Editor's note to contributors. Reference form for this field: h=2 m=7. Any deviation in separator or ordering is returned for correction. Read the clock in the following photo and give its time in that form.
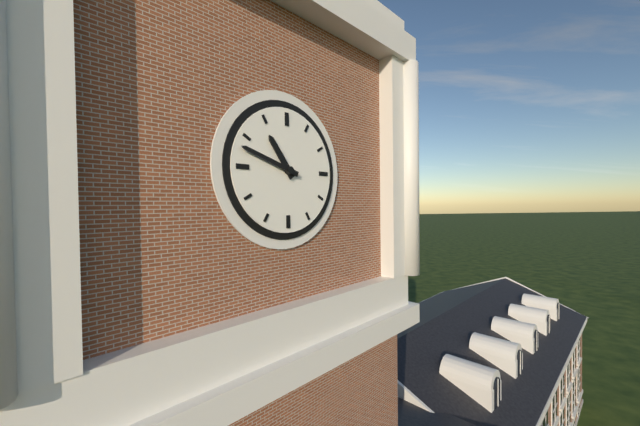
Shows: h=10 m=48
